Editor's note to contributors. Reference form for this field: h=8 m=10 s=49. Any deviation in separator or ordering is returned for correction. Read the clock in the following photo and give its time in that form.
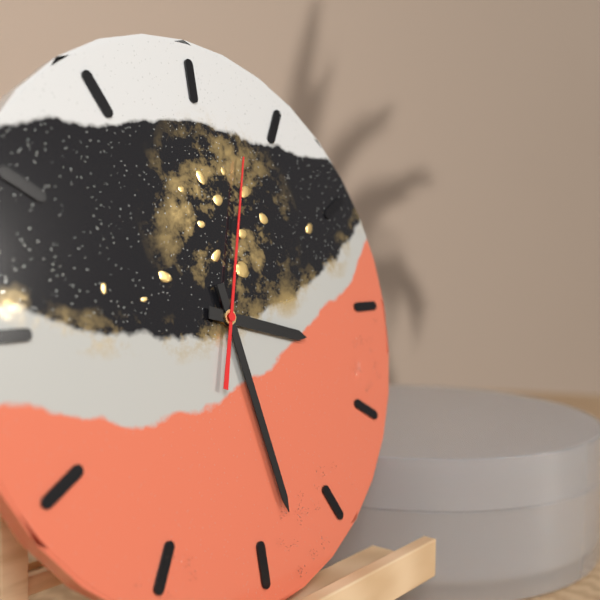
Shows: h=3 m=28 s=3
